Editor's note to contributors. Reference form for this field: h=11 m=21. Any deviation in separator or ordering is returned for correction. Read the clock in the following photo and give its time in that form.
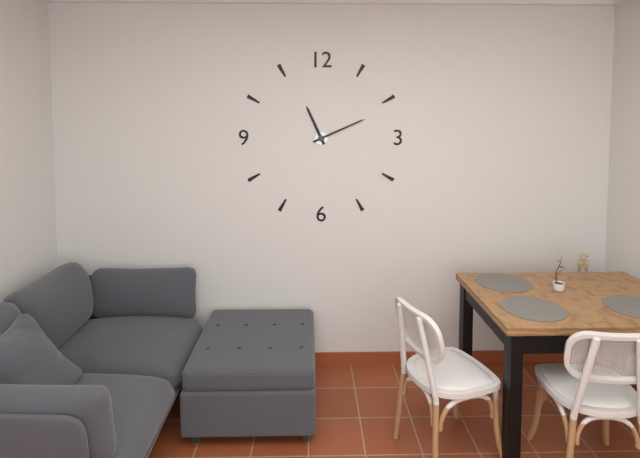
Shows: h=11 m=11
